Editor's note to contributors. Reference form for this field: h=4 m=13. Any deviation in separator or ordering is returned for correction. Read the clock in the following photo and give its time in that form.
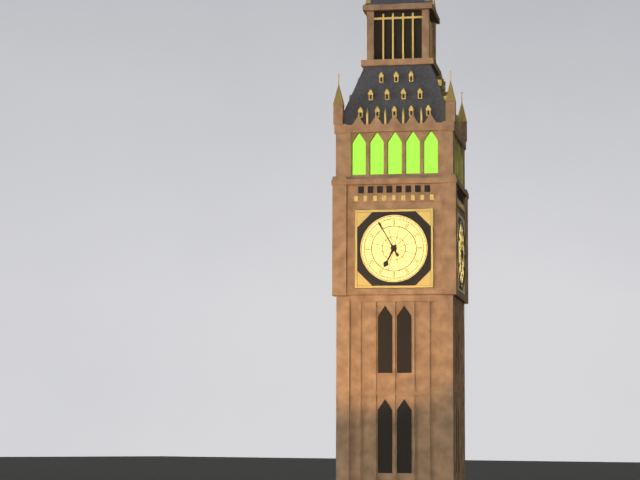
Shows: h=6 m=55
